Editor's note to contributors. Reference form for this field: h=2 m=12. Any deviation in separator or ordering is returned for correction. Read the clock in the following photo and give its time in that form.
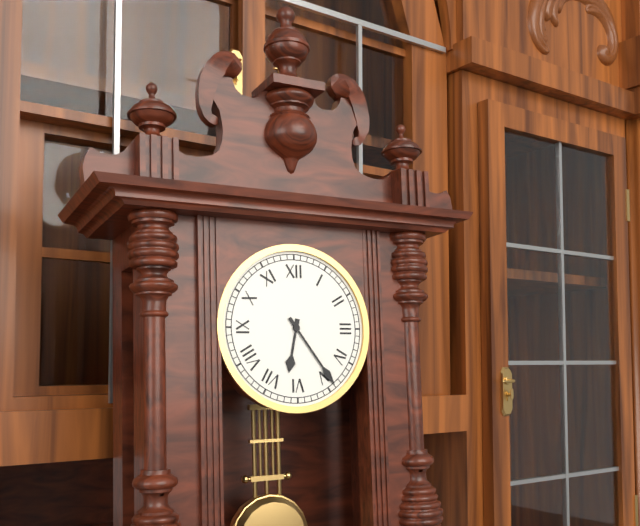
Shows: h=6 m=24
